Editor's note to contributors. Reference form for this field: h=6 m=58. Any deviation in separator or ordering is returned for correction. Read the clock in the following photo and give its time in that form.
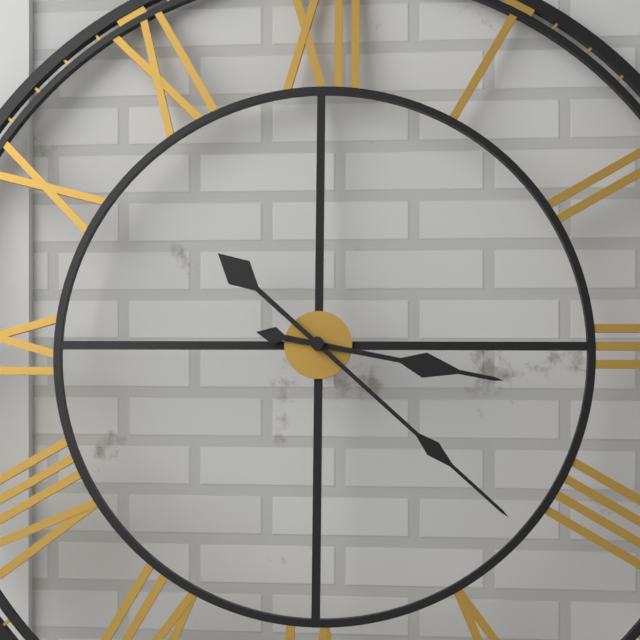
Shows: h=3 m=22
